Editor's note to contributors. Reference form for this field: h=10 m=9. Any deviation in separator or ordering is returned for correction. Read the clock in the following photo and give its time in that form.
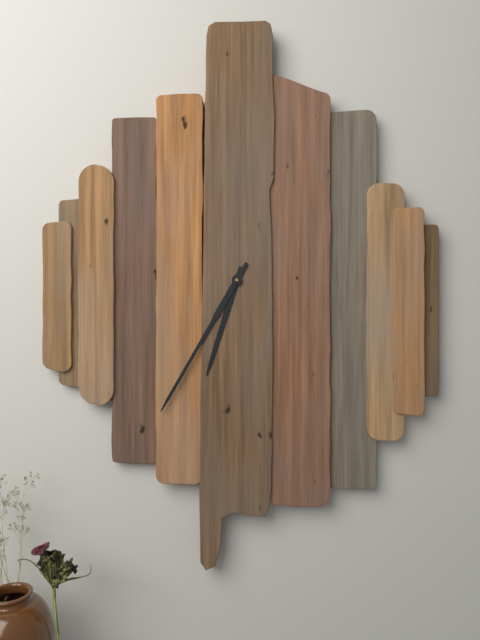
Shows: h=6 m=35
